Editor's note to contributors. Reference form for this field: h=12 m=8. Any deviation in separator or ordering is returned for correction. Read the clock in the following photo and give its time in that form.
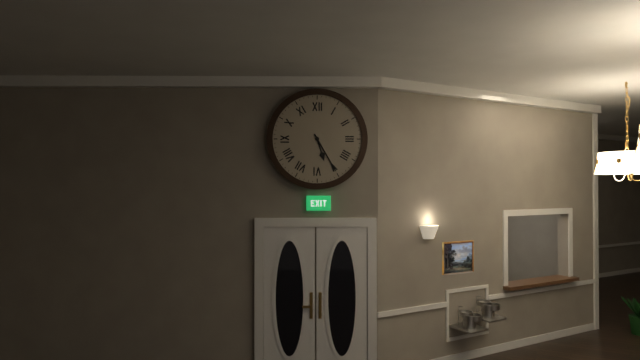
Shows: h=5 m=25
